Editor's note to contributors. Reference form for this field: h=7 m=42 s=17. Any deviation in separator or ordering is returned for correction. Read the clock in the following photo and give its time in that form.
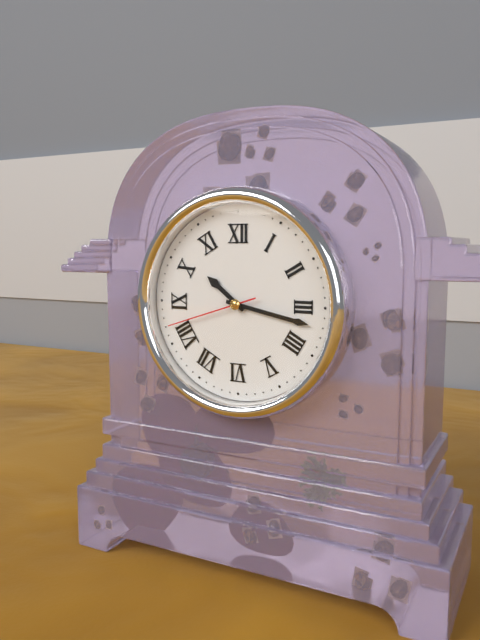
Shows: h=10 m=17 s=42
